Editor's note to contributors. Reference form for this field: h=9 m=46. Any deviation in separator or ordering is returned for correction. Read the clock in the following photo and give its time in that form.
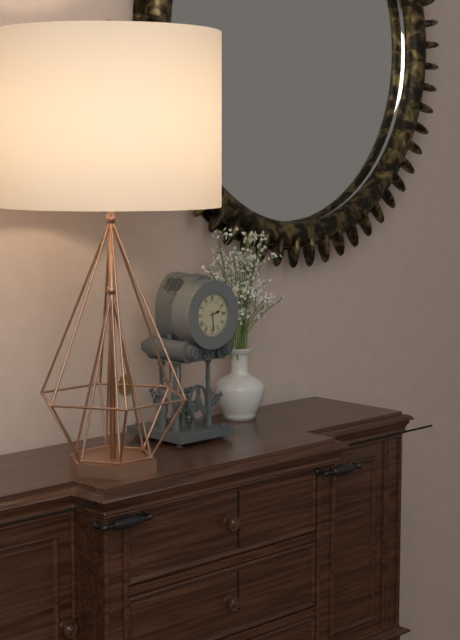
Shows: h=2 m=29
